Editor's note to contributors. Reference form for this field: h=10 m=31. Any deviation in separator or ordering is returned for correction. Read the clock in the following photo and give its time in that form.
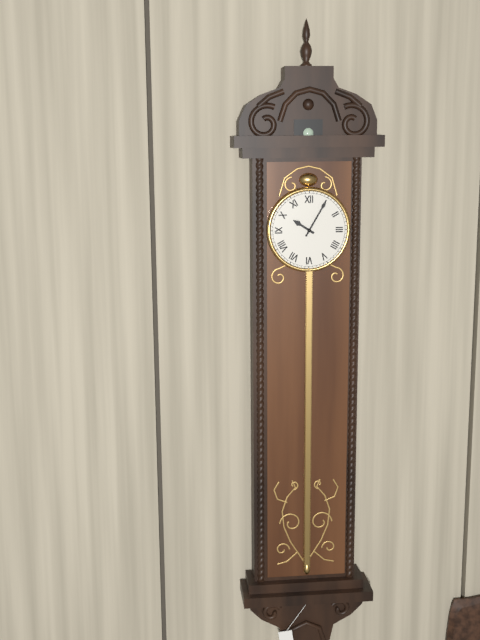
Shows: h=10 m=5
